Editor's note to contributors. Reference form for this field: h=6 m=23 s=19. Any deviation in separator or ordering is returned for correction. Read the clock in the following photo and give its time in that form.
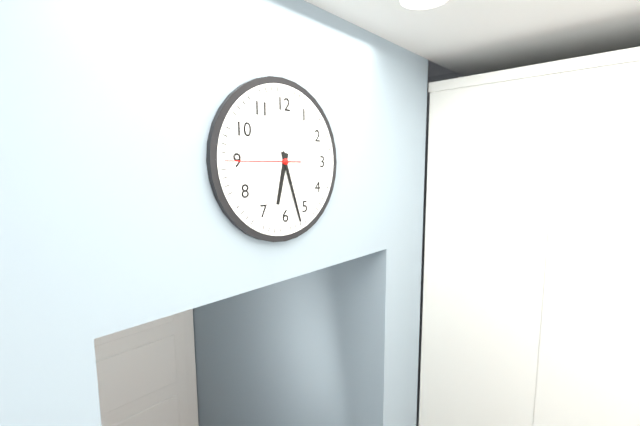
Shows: h=6 m=27 s=45
